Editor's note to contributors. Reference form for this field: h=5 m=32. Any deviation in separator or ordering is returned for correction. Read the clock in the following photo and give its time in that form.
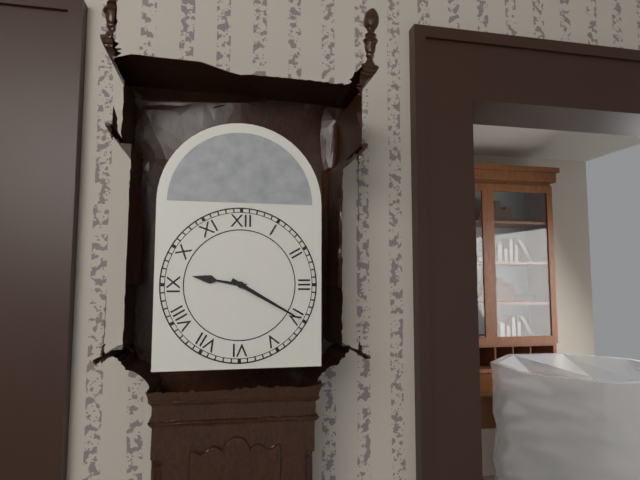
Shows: h=9 m=20
